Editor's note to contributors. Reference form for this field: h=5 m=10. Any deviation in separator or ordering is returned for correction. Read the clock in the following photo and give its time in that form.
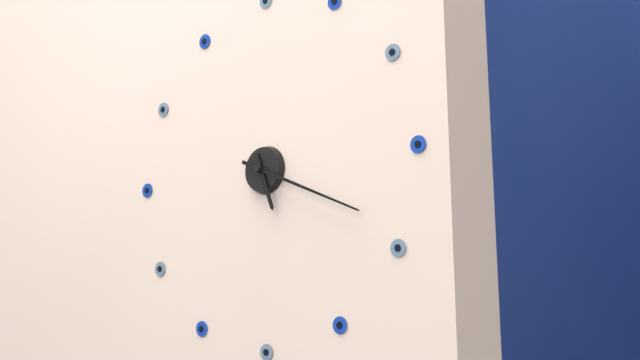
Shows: h=5 m=19
